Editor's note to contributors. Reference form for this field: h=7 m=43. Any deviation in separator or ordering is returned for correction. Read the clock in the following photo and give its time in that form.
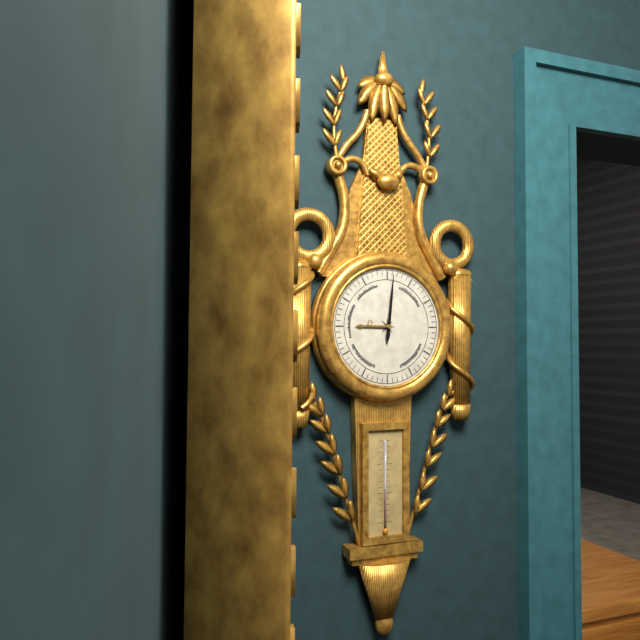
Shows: h=9 m=1
